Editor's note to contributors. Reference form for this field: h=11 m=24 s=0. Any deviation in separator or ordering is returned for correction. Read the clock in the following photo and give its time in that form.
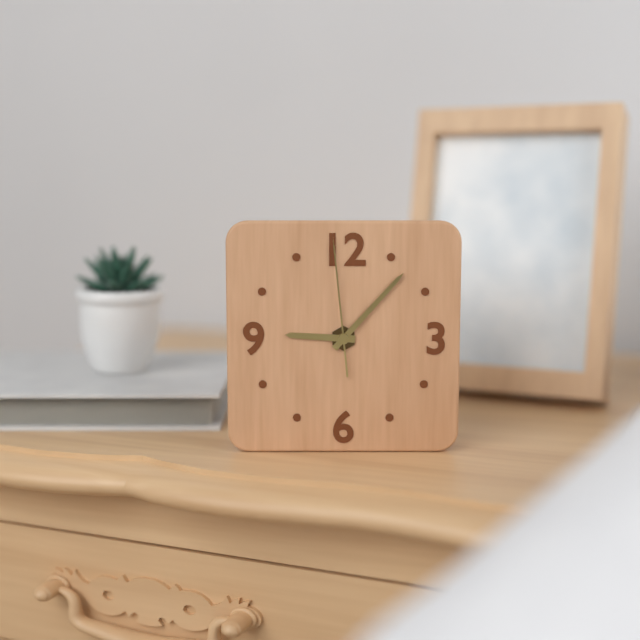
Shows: h=9 m=7 s=59
